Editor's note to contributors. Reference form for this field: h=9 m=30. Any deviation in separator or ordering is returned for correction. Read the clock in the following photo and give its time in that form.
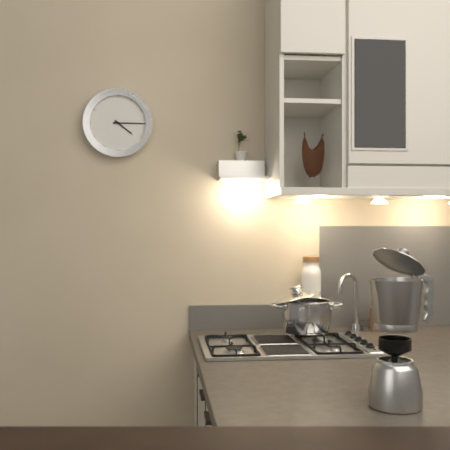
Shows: h=4 m=15
